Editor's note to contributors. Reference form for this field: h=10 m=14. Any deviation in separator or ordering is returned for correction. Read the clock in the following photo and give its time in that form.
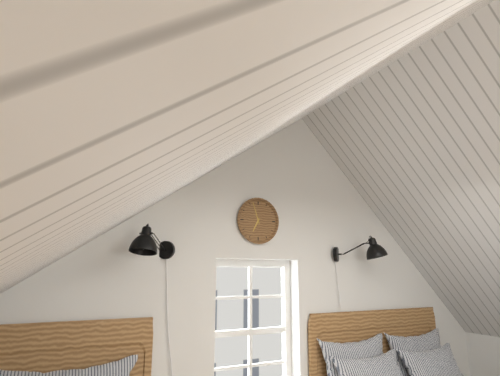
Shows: h=6 m=57
